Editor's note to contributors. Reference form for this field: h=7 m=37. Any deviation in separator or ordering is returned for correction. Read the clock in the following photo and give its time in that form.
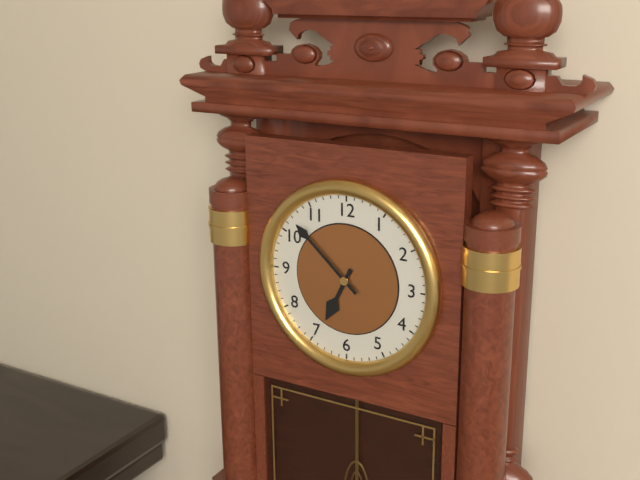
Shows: h=6 m=52
